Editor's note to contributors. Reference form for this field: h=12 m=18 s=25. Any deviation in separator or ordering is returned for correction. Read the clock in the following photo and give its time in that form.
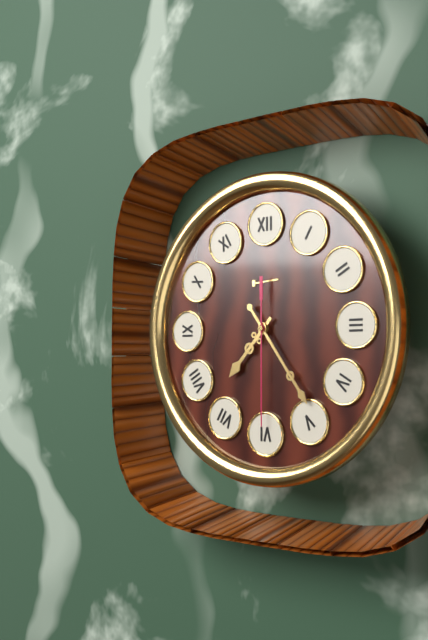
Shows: h=7 m=24 s=30
